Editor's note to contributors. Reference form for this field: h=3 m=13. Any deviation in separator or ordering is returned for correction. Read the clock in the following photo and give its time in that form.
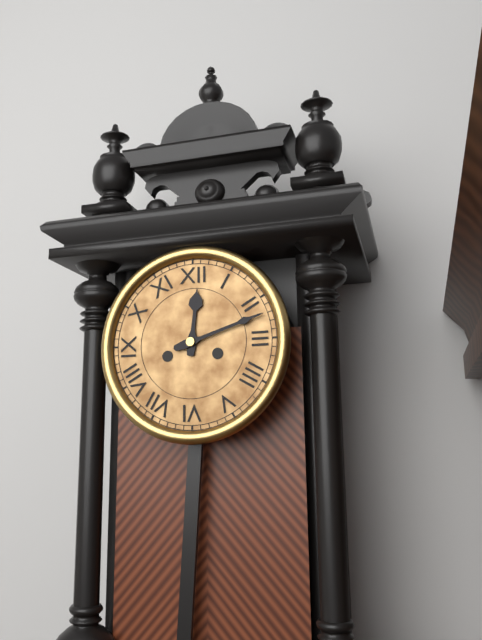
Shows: h=12 m=12
